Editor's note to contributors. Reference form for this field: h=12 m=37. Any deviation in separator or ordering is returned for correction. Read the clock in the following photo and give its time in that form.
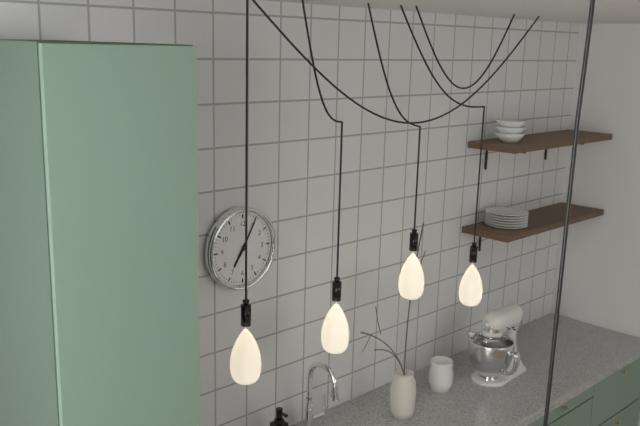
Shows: h=7 m=5
